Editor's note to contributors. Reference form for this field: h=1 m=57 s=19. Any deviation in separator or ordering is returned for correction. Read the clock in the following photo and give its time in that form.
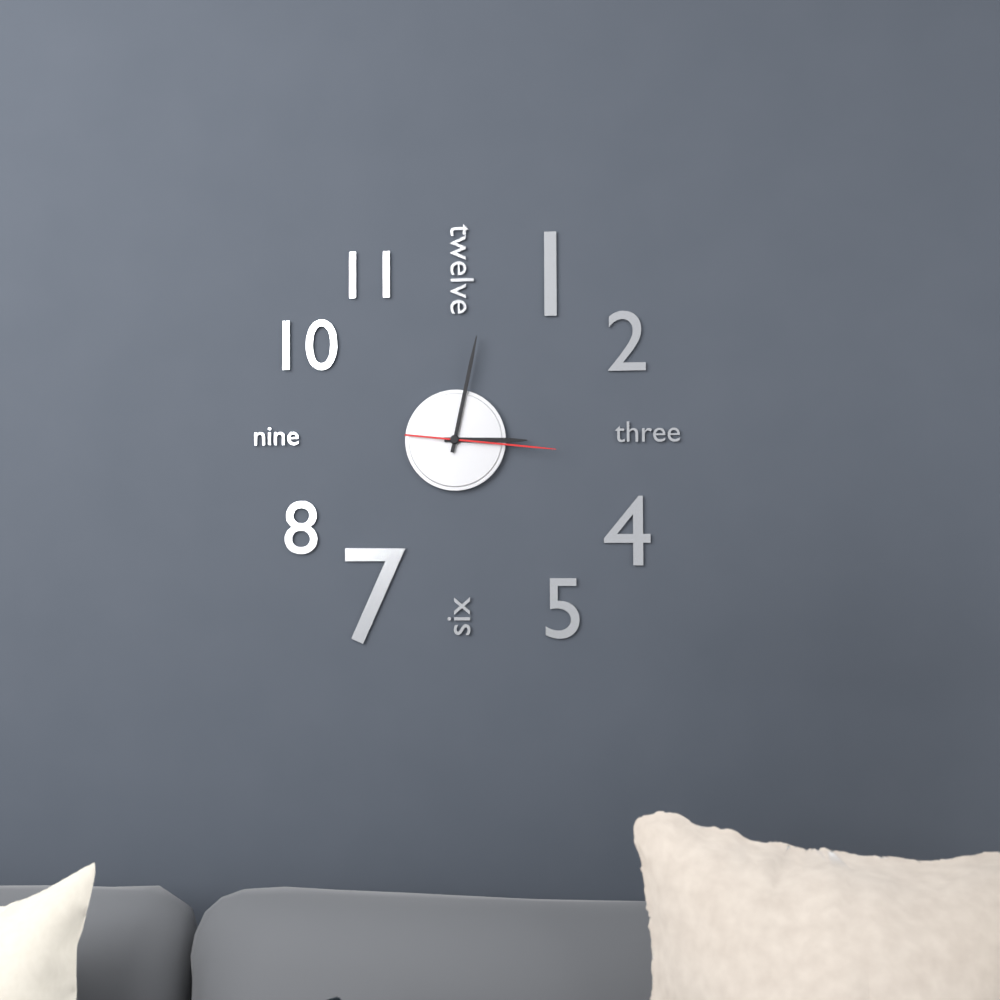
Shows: h=3 m=2 s=16
